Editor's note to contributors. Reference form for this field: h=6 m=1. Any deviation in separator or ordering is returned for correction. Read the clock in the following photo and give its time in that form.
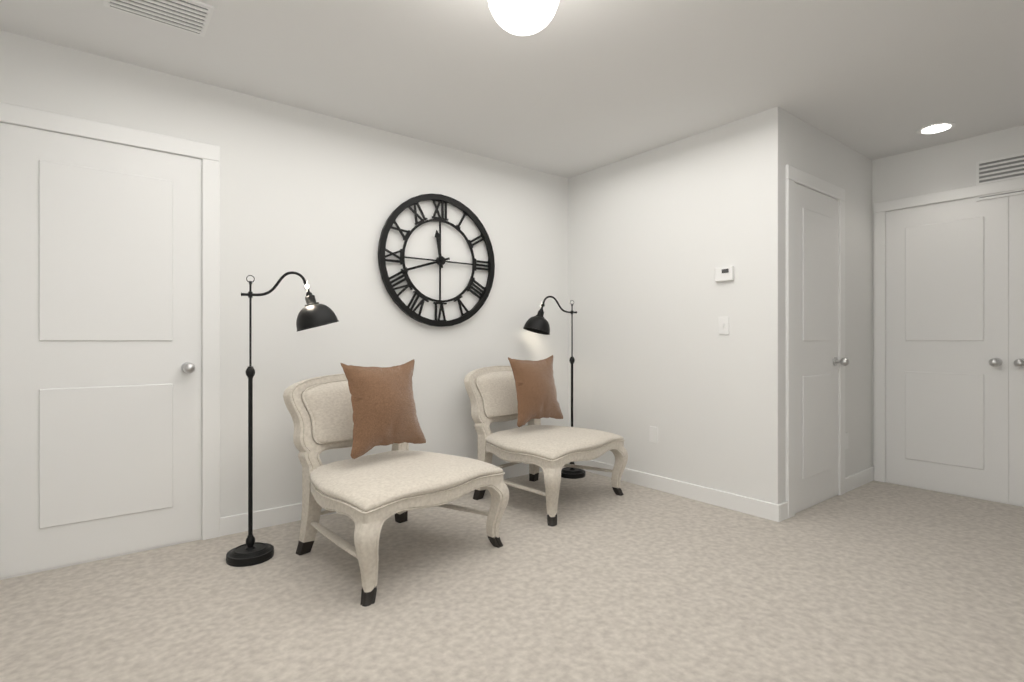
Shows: h=11 m=42
